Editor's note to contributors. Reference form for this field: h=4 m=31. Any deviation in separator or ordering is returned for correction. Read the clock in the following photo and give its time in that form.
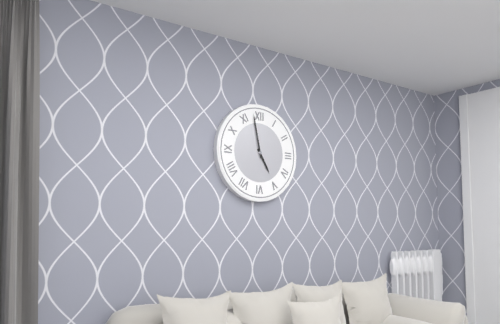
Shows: h=4 m=58
